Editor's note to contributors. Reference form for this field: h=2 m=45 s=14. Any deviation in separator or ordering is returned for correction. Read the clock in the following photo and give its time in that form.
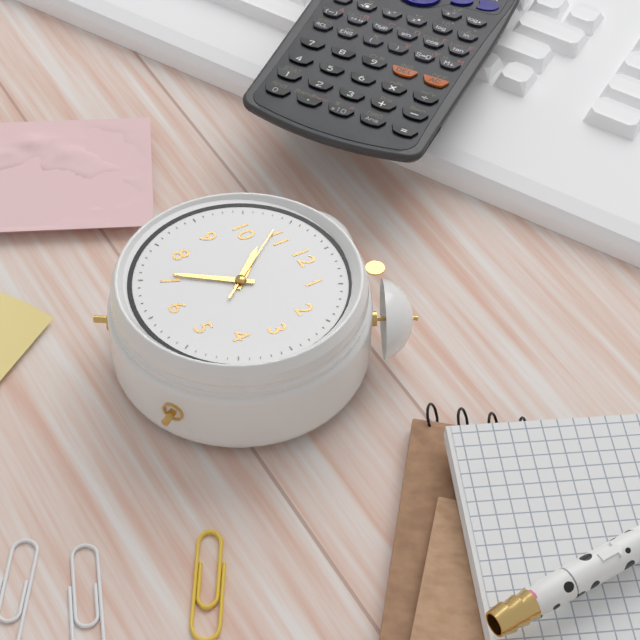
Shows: h=10 m=36 s=54
